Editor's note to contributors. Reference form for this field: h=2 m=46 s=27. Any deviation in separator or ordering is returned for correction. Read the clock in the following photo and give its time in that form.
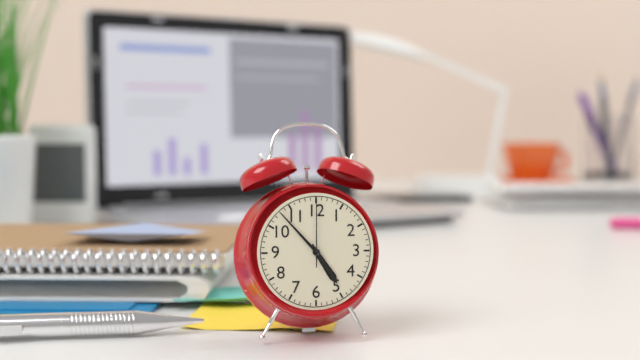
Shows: h=4 m=53 s=0
